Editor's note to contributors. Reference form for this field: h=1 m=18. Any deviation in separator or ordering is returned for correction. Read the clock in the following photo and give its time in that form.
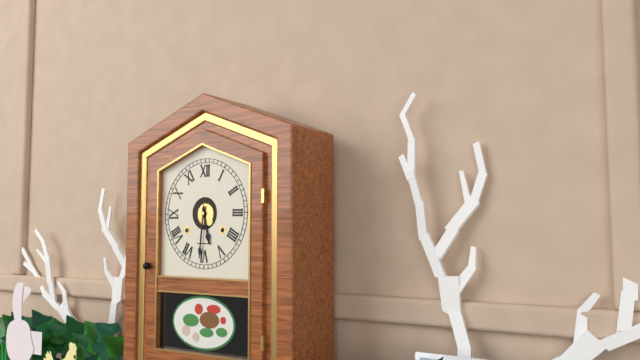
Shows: h=5 m=31
